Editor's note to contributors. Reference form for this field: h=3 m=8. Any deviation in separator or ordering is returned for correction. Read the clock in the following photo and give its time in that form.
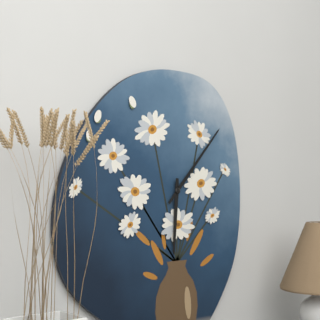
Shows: h=6 m=7
